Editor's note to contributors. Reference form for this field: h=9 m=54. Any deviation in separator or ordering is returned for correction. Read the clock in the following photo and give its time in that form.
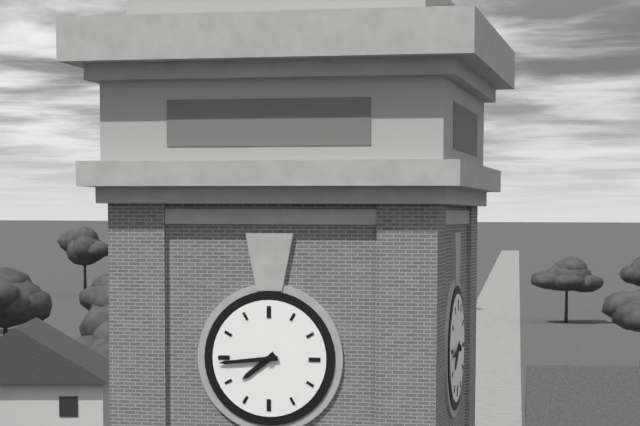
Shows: h=7 m=44
